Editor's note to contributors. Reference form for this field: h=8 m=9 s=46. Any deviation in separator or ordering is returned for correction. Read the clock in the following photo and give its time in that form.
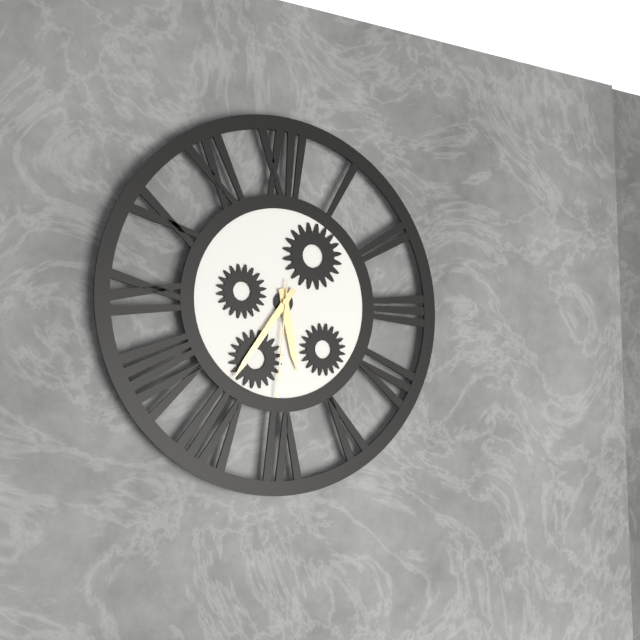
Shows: h=5 m=36 s=31
